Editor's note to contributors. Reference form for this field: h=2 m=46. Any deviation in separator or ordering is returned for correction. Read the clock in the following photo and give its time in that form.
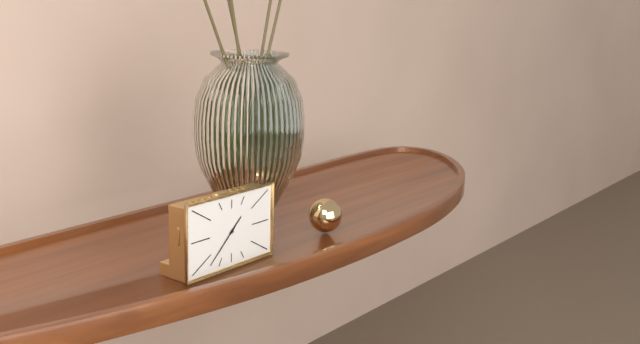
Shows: h=1 m=38
